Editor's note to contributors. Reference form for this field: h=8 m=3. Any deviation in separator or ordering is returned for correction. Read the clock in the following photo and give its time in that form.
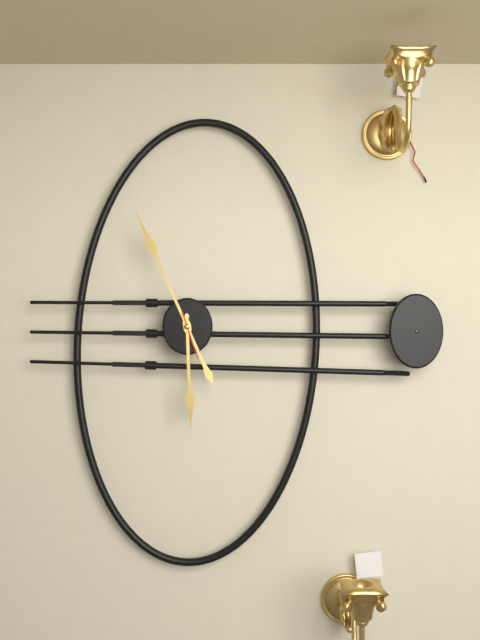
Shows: h=5 m=56
